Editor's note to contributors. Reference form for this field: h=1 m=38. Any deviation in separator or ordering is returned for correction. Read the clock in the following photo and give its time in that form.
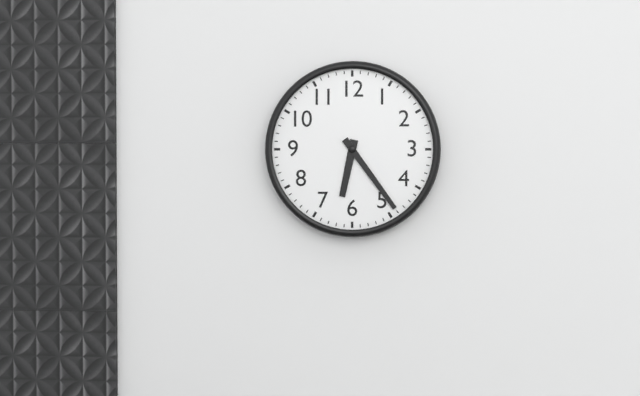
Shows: h=6 m=24
